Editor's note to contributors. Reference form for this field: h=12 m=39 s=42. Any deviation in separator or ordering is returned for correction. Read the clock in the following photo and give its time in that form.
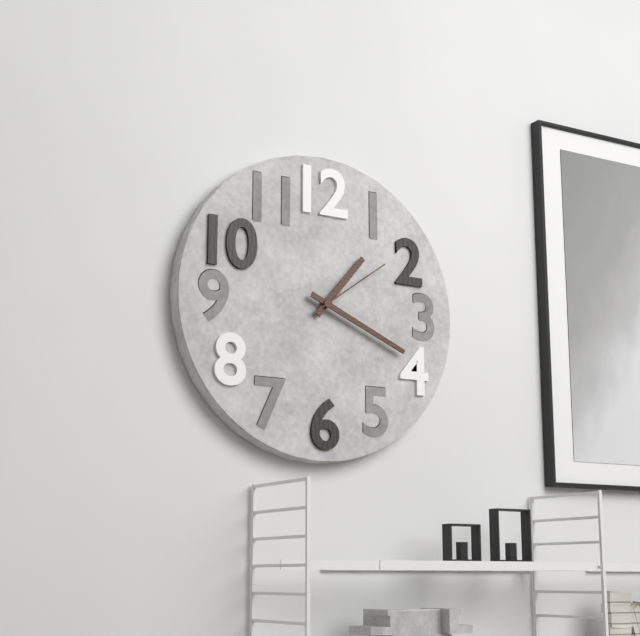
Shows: h=1 m=19 s=9
